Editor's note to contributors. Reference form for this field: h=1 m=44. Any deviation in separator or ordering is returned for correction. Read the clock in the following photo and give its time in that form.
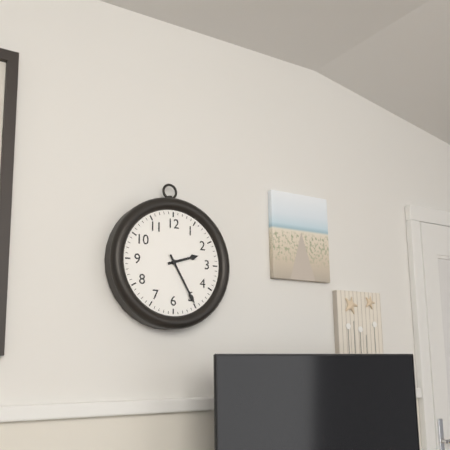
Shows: h=2 m=25
